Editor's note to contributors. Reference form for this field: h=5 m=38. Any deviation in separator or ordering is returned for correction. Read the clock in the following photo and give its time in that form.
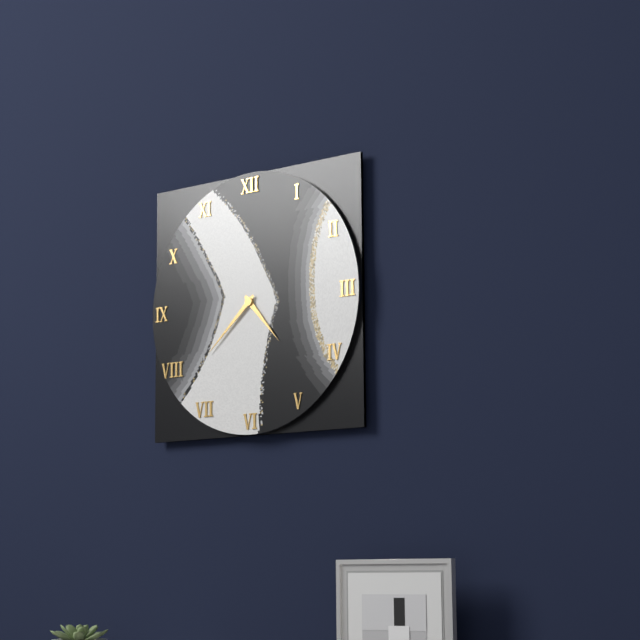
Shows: h=4 m=38
